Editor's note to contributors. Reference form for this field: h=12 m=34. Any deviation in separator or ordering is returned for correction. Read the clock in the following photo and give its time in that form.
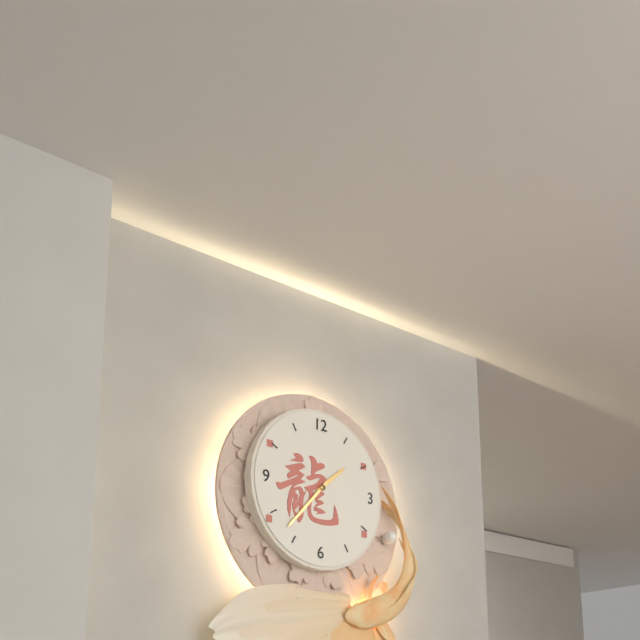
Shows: h=1 m=37
